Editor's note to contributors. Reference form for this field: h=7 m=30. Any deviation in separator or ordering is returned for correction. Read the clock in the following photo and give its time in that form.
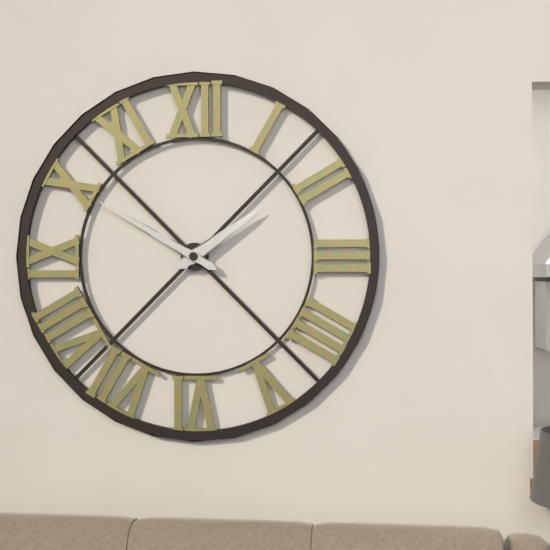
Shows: h=1 m=50
